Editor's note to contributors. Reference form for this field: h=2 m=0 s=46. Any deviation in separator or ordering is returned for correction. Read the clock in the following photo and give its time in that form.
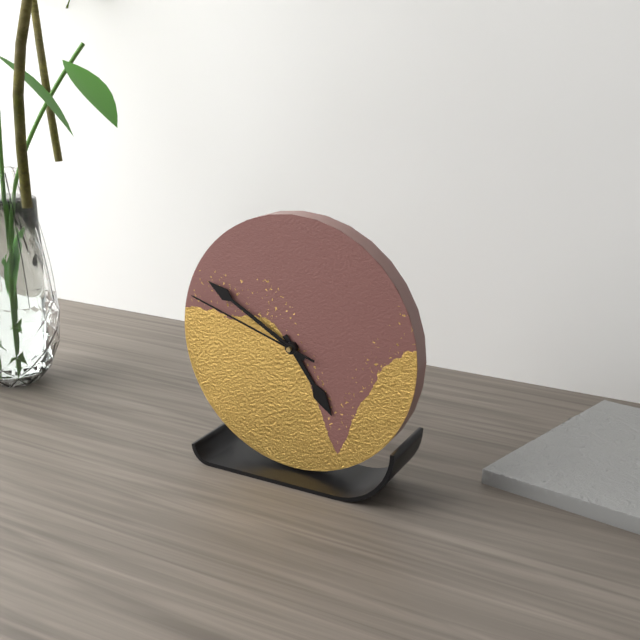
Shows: h=4 m=50 s=48
